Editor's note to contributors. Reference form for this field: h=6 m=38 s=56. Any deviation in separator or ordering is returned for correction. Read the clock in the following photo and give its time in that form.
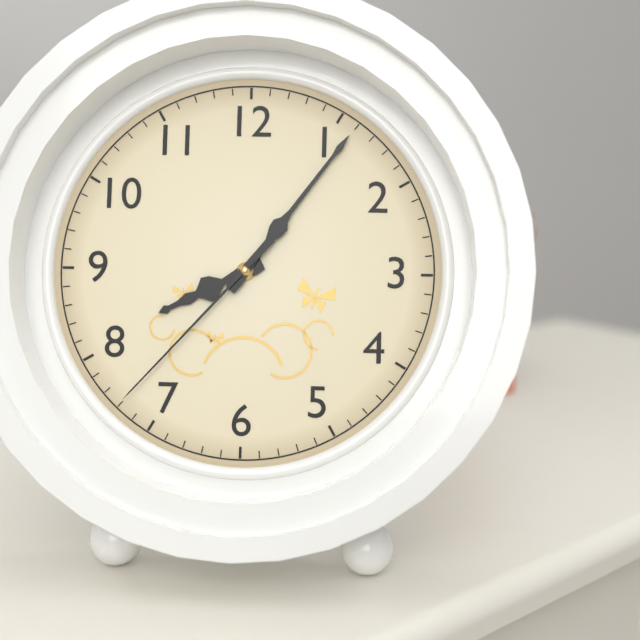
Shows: h=8 m=6 s=37
